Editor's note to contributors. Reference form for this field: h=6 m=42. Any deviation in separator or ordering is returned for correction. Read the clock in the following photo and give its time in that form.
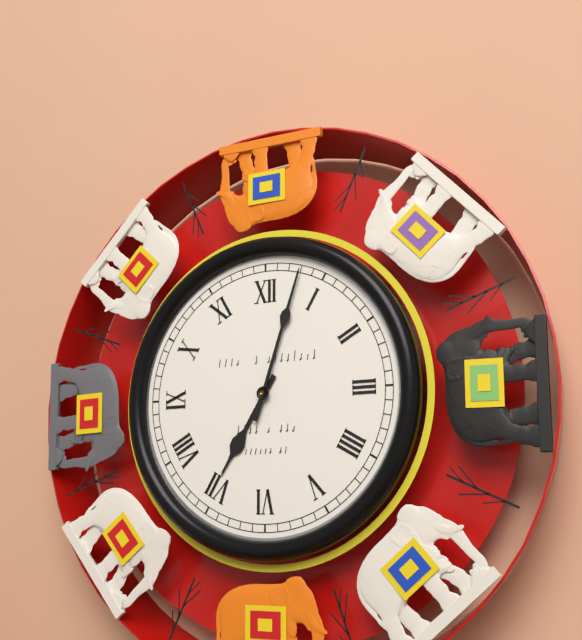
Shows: h=7 m=3
